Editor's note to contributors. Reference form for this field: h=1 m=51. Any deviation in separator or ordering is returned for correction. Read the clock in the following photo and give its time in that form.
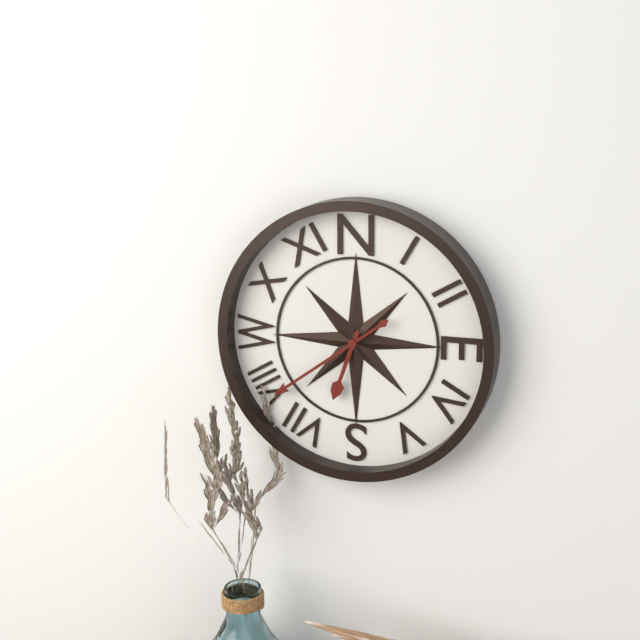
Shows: h=6 m=39
